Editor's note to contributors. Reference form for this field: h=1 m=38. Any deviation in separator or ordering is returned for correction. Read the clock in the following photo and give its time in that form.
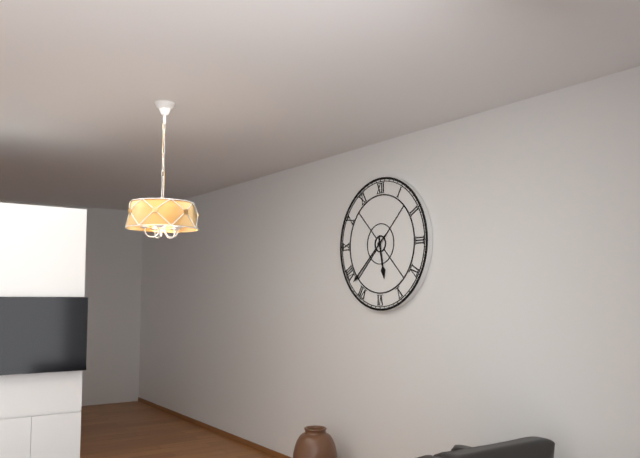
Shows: h=5 m=38
